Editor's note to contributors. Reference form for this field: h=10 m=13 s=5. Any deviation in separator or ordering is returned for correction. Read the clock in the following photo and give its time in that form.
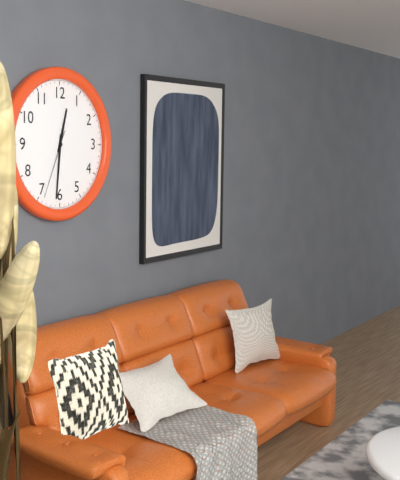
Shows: h=12 m=31 s=34
